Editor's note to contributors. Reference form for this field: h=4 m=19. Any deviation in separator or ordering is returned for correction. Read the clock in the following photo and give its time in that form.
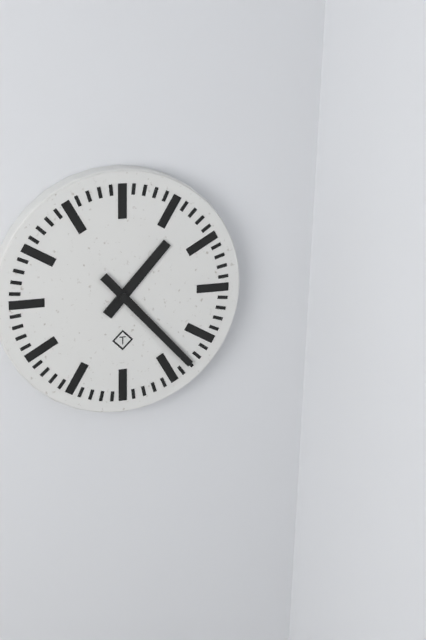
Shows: h=1 m=23
